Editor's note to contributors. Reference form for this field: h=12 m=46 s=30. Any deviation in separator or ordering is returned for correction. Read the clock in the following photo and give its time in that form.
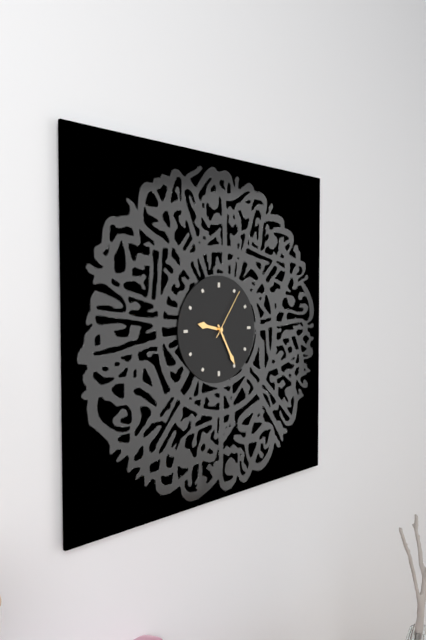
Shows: h=9 m=25 s=6
